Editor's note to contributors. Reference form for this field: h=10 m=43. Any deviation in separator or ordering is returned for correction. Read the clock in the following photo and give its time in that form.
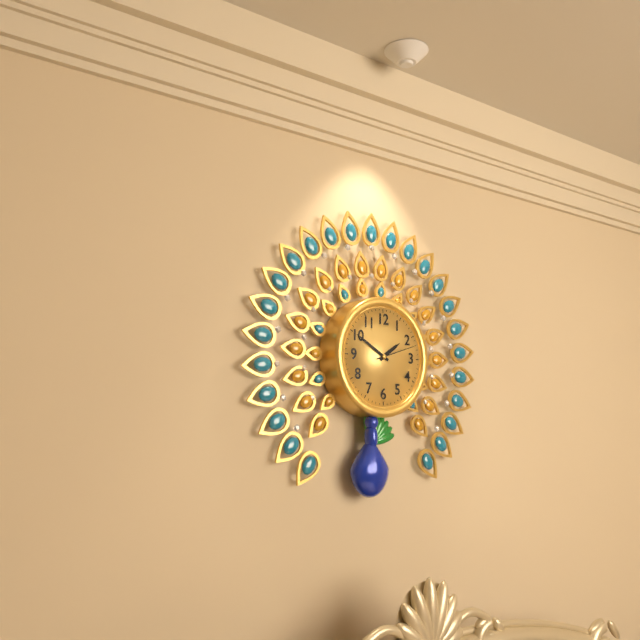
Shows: h=1 m=50
